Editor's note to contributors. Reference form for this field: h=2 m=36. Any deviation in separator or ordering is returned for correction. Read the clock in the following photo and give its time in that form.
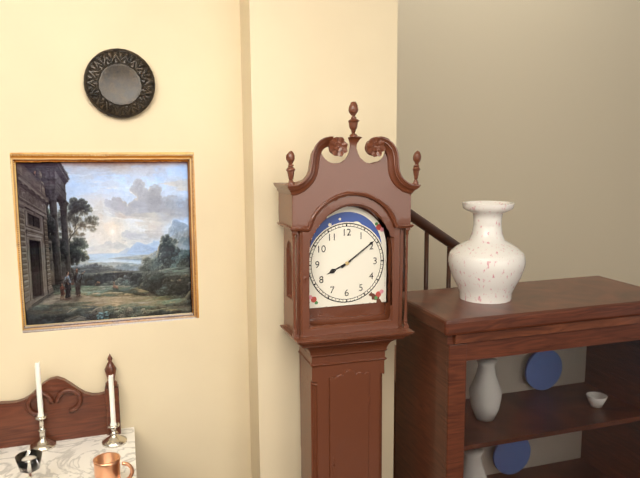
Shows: h=8 m=9
